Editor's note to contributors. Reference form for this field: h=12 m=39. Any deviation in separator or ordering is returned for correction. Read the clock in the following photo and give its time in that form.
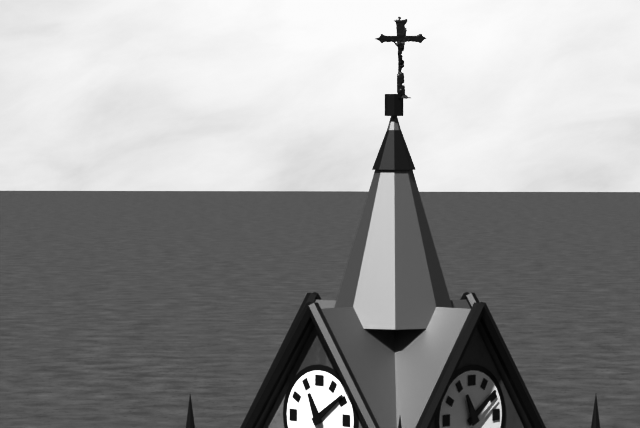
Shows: h=11 m=9
